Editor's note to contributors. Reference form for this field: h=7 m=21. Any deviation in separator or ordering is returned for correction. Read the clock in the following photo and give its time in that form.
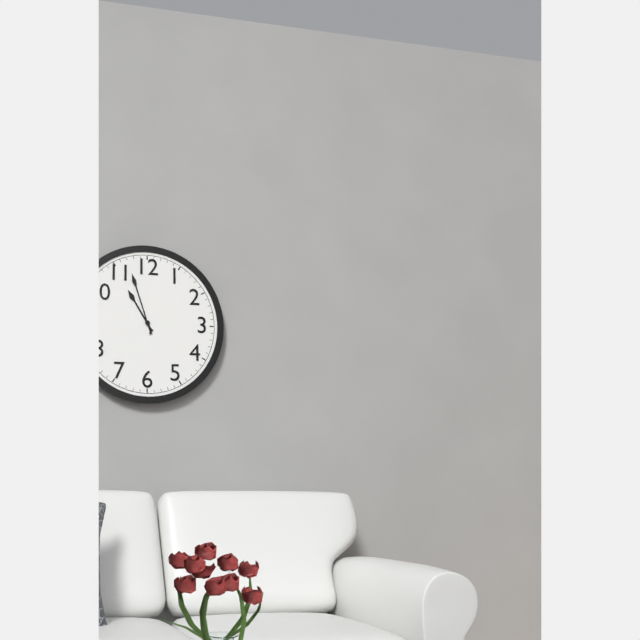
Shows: h=10 m=57
